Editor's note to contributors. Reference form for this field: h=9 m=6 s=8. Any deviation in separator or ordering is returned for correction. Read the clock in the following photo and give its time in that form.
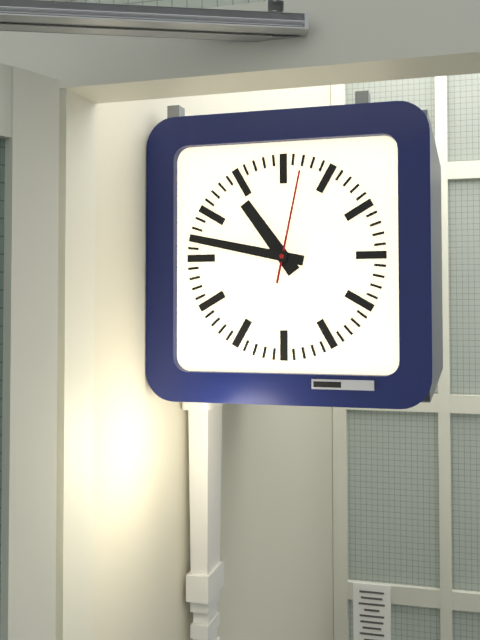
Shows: h=10 m=47 s=2
